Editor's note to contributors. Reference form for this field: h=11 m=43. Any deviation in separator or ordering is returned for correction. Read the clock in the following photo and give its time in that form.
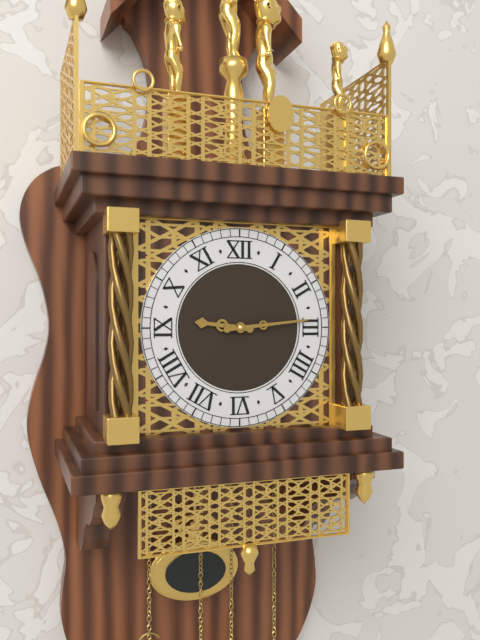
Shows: h=9 m=14
